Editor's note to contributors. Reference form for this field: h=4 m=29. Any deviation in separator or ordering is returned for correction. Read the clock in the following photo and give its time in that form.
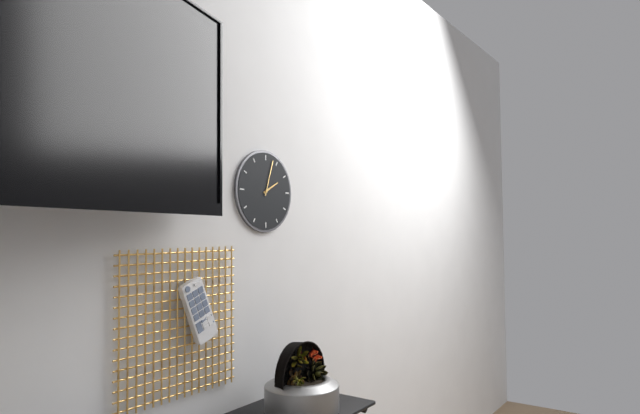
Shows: h=2 m=3
